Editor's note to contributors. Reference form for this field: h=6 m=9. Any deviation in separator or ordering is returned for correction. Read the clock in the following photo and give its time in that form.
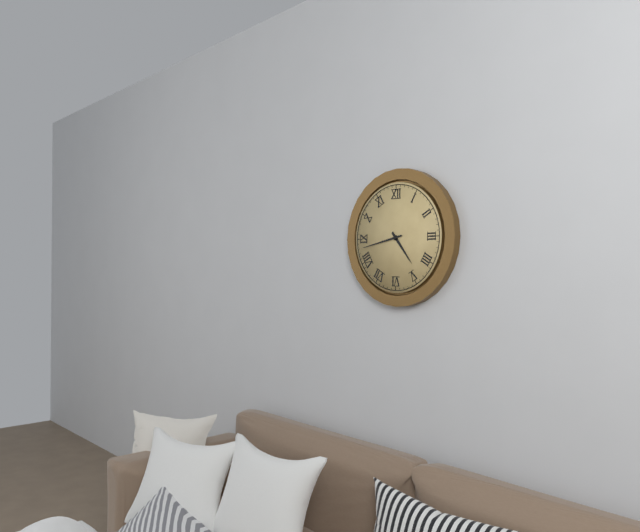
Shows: h=4 m=43
